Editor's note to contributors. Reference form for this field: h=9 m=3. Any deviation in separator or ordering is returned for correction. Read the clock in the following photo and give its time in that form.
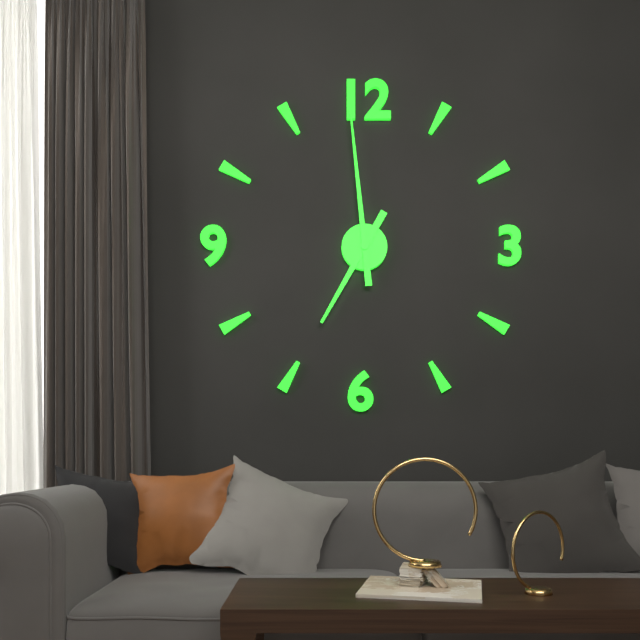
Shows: h=6 m=59
